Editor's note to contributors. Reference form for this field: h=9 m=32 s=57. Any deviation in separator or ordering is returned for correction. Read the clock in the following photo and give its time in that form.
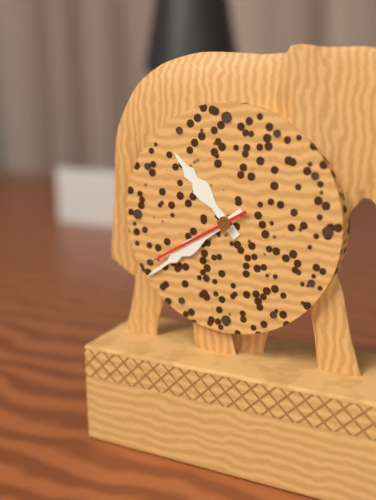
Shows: h=10 m=39 s=40
